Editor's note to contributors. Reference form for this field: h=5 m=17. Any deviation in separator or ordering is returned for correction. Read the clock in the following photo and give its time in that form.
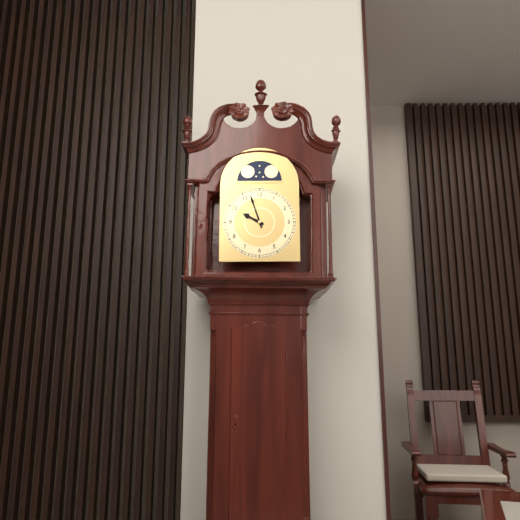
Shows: h=9 m=57
